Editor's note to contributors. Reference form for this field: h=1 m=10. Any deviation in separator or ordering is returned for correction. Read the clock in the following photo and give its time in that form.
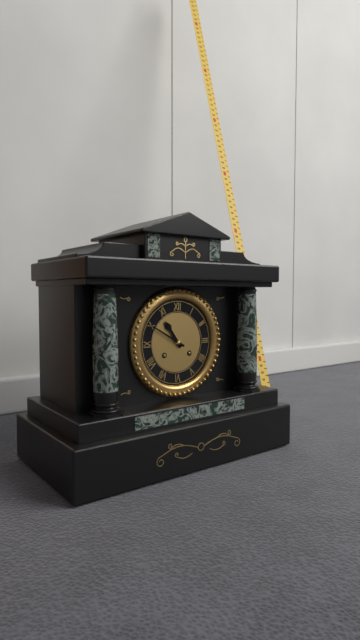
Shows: h=10 m=50
